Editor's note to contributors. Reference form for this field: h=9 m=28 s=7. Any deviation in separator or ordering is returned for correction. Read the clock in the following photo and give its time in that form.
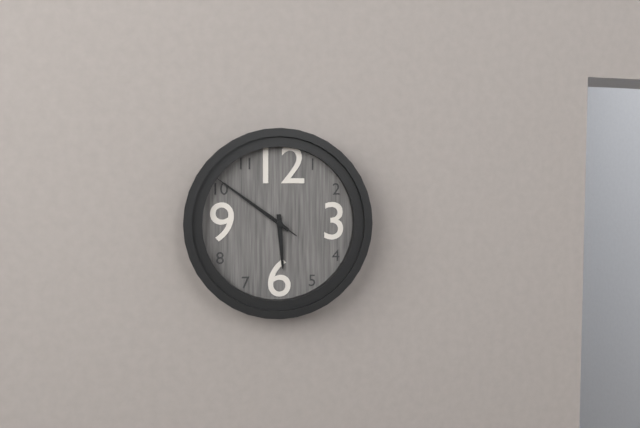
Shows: h=5 m=51 s=51
